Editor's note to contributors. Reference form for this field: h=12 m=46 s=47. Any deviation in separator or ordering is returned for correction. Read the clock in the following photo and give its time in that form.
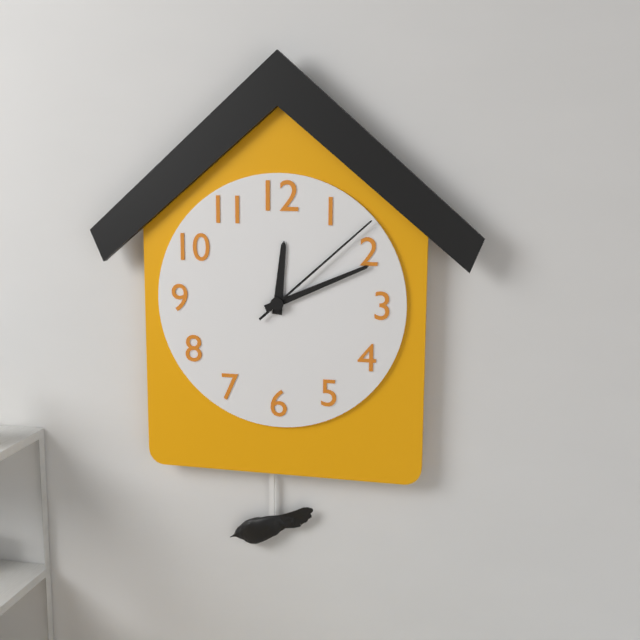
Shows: h=12 m=11 s=8
